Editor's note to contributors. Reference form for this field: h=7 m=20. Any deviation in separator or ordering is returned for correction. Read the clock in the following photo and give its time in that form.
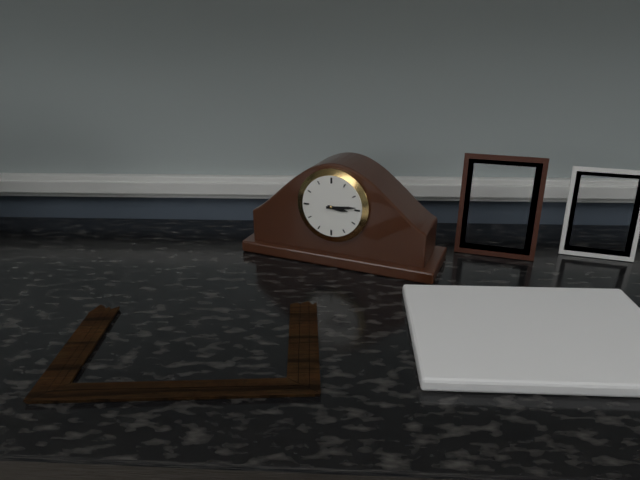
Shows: h=3 m=14
